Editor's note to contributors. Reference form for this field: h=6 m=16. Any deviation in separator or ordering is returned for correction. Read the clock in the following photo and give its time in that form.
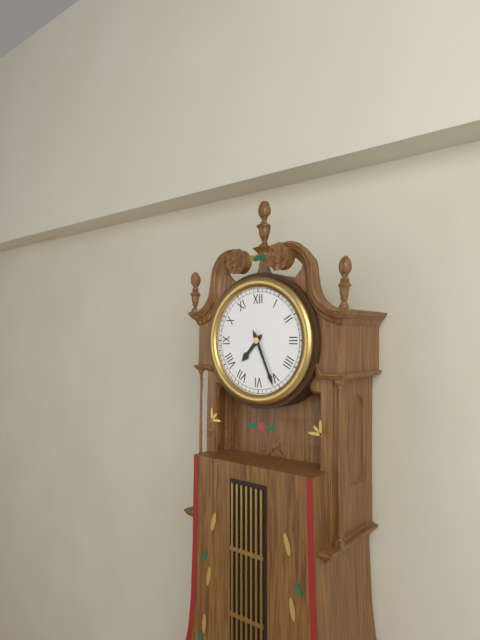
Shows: h=7 m=26
